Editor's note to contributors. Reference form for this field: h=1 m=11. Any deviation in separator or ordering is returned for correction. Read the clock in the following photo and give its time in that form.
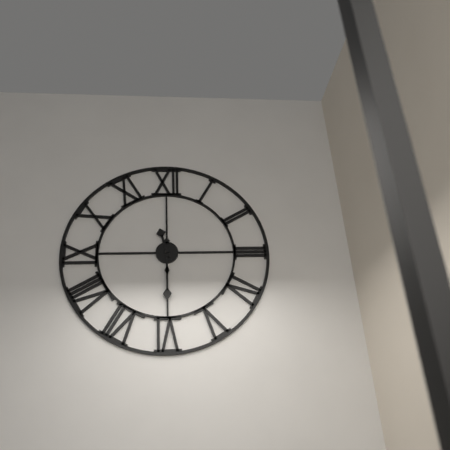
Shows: h=11 m=30
